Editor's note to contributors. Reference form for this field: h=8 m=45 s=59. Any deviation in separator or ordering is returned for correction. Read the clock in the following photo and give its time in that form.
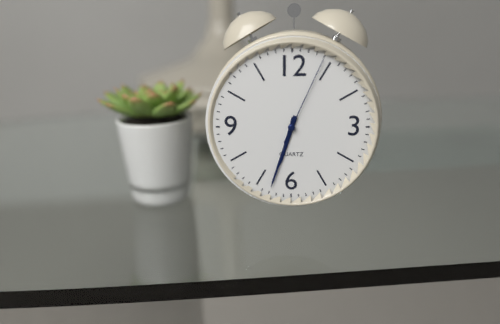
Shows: h=6 m=33 s=4
